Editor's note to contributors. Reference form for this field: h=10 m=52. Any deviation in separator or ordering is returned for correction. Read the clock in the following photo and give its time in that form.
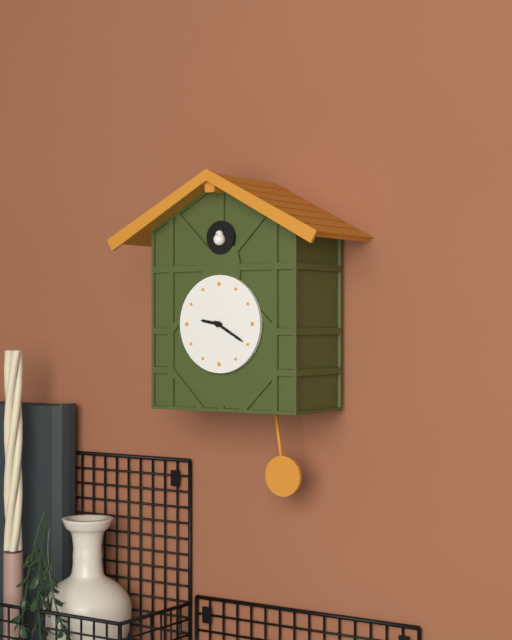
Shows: h=9 m=20
